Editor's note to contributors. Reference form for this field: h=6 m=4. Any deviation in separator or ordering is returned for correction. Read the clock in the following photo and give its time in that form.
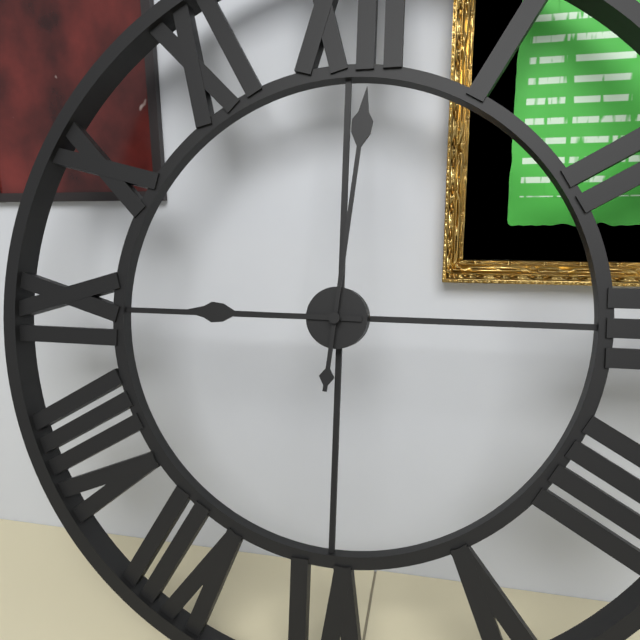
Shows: h=9 m=1
